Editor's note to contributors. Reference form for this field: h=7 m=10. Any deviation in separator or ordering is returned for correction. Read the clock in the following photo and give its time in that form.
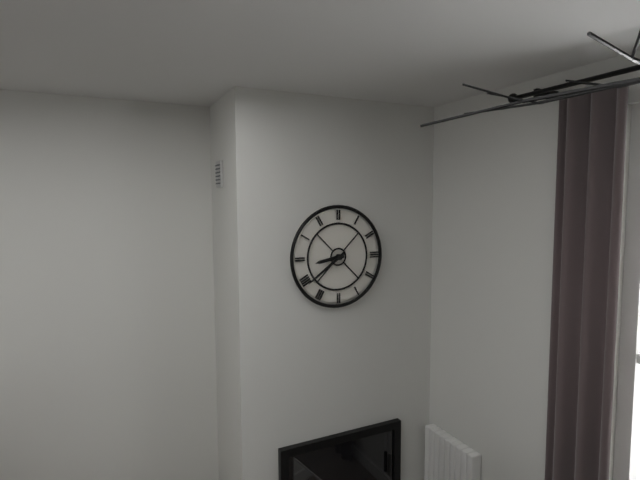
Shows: h=8 m=39
